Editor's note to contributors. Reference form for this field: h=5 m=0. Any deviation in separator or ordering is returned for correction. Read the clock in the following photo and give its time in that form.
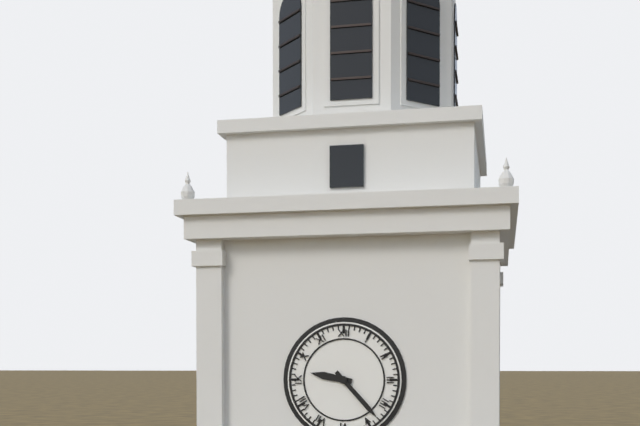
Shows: h=9 m=23
